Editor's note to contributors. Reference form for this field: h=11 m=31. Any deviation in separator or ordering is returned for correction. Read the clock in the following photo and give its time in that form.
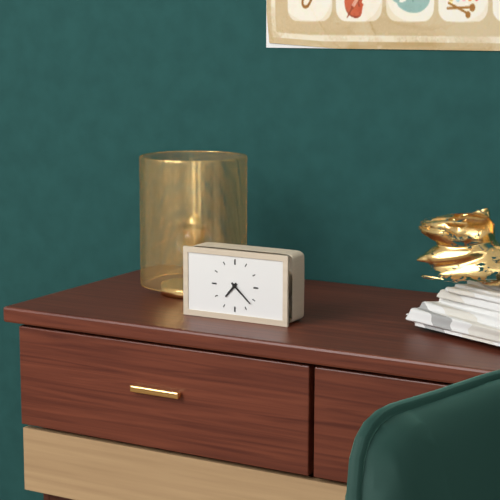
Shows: h=7 m=22
